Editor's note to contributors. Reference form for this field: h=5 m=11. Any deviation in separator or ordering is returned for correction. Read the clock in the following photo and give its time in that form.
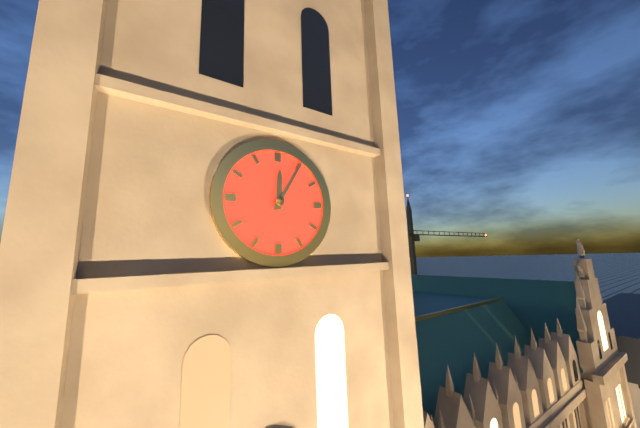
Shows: h=12 m=5
